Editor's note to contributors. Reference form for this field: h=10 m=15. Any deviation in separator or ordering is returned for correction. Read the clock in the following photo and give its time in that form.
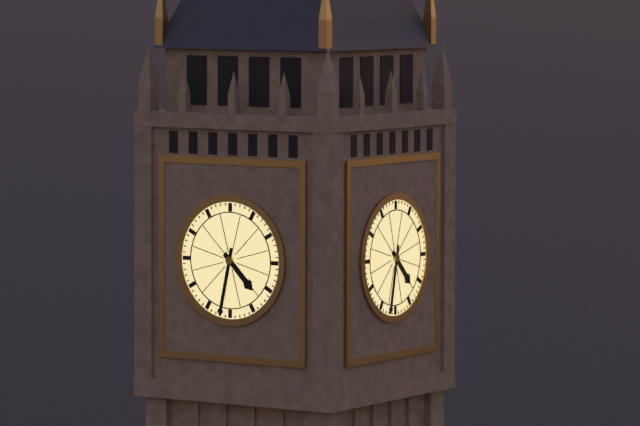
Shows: h=4 m=32
